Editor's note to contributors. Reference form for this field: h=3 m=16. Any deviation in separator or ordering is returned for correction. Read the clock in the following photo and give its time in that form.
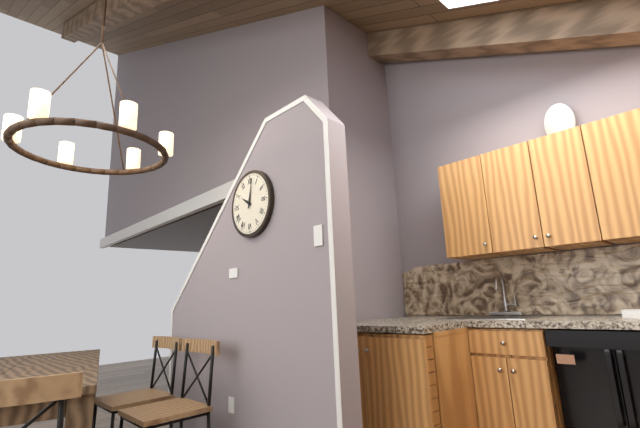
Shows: h=10 m=2
